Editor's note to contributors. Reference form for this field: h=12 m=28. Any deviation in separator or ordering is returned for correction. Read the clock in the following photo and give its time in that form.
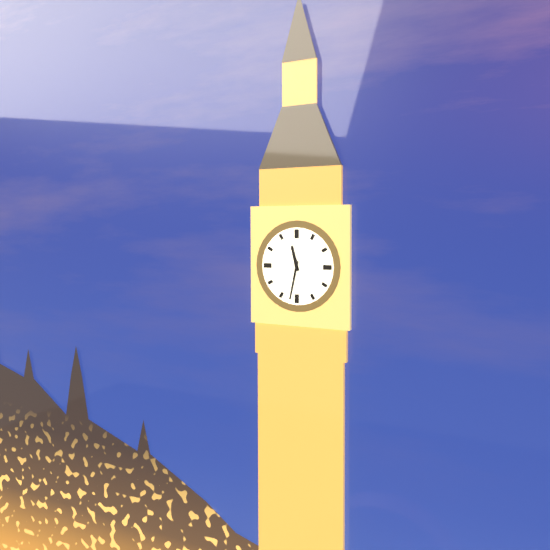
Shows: h=11 m=32
